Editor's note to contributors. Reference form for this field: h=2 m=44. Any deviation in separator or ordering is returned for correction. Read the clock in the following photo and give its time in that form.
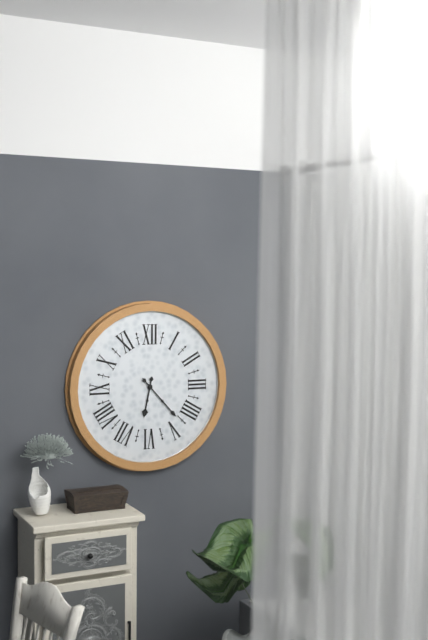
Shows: h=6 m=23
